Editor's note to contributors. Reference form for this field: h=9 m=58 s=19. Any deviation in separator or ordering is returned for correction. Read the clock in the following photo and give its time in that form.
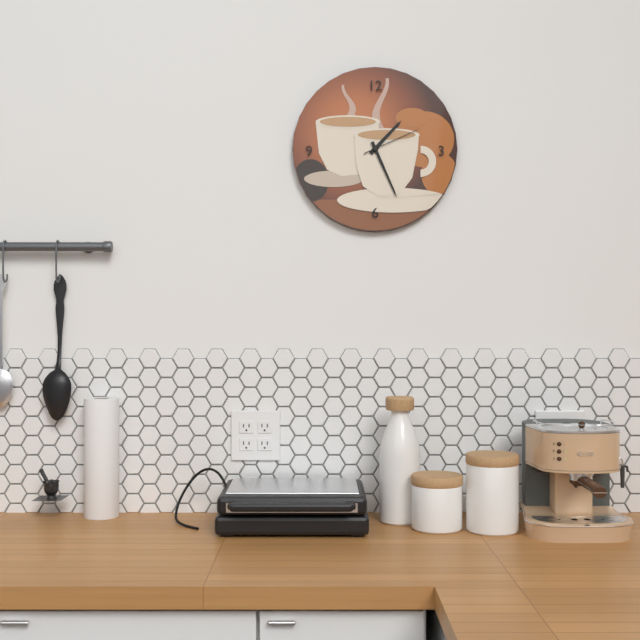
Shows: h=1 m=26 s=11
